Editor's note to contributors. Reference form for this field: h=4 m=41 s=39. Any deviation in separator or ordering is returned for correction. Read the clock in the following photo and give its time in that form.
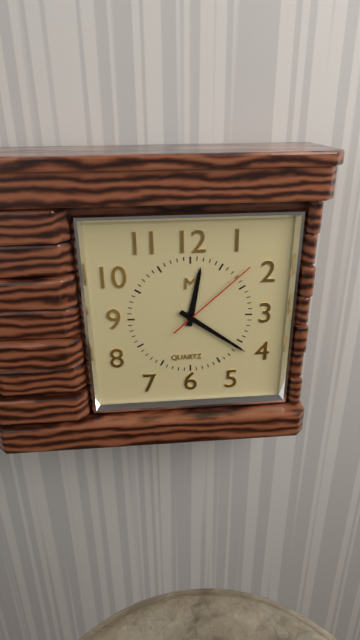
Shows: h=12 m=21 s=8
